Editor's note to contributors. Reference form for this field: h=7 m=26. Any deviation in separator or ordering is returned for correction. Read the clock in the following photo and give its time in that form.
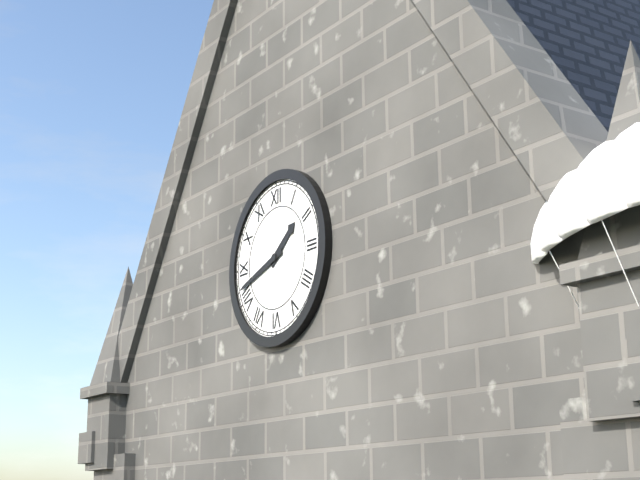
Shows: h=1 m=42
